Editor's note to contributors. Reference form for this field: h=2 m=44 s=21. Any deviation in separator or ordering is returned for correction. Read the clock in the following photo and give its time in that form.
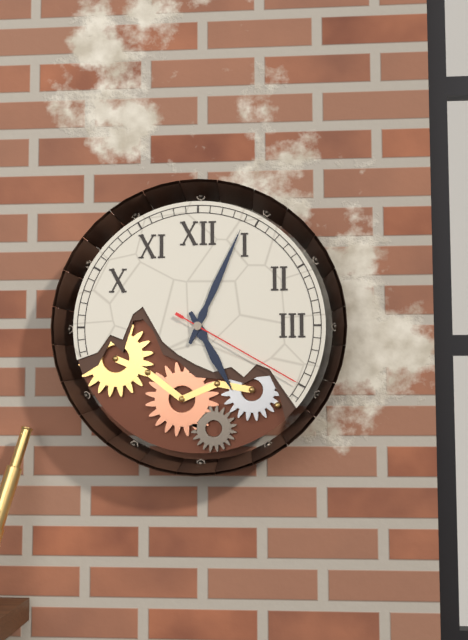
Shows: h=5 m=4 s=20
